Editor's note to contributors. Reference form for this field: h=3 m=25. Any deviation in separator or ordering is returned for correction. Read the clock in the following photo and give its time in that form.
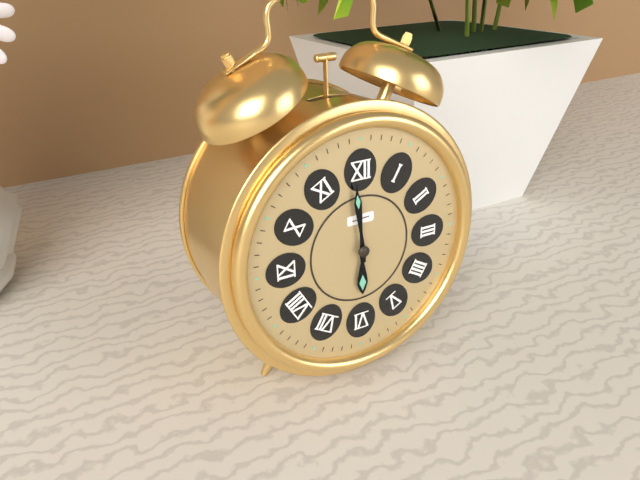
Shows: h=5 m=59
